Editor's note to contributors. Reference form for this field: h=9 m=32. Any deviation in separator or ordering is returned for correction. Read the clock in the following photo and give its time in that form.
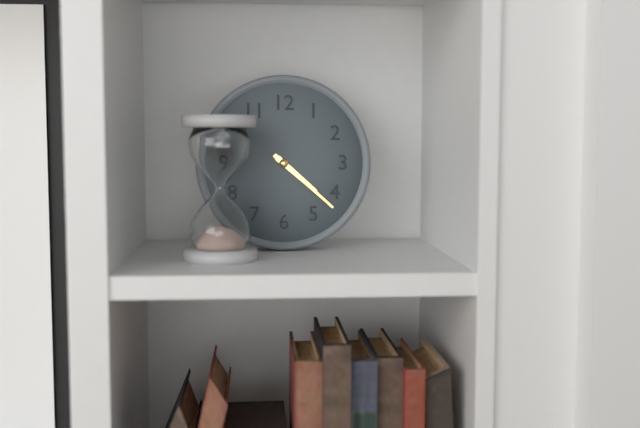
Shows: h=4 m=22
